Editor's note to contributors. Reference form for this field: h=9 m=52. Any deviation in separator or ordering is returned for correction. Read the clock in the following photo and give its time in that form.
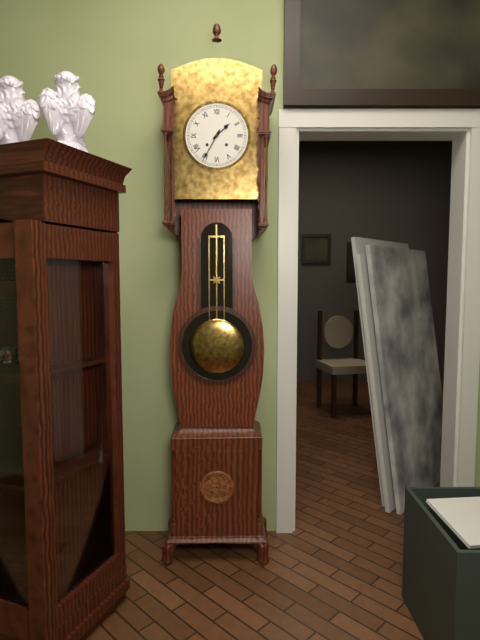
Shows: h=1 m=35
